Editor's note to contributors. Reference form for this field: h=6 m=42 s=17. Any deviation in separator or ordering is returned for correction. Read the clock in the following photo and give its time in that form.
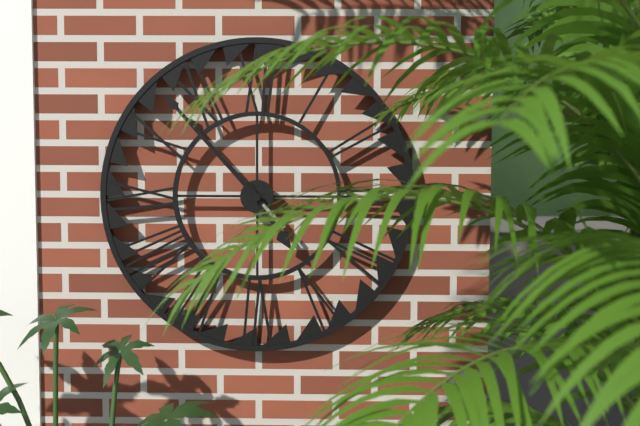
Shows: h=4 m=53 s=53
